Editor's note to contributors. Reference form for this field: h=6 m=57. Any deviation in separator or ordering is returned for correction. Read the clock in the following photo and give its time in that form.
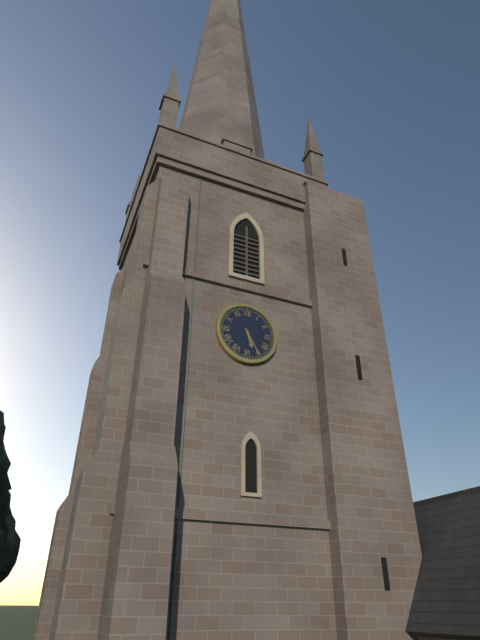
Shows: h=5 m=25
